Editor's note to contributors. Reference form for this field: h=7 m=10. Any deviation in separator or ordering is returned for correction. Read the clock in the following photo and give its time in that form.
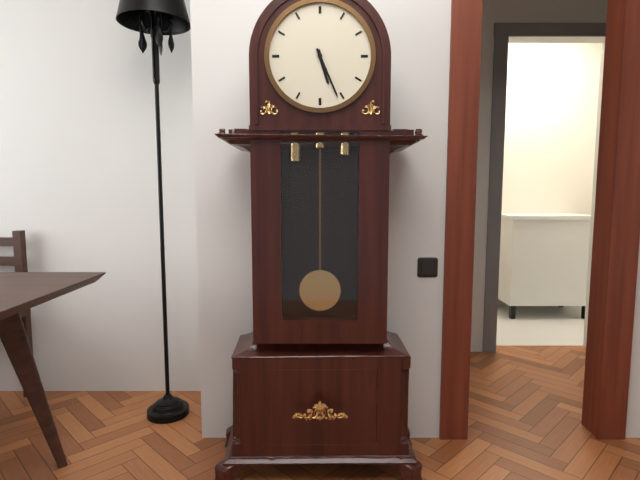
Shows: h=5 m=26
